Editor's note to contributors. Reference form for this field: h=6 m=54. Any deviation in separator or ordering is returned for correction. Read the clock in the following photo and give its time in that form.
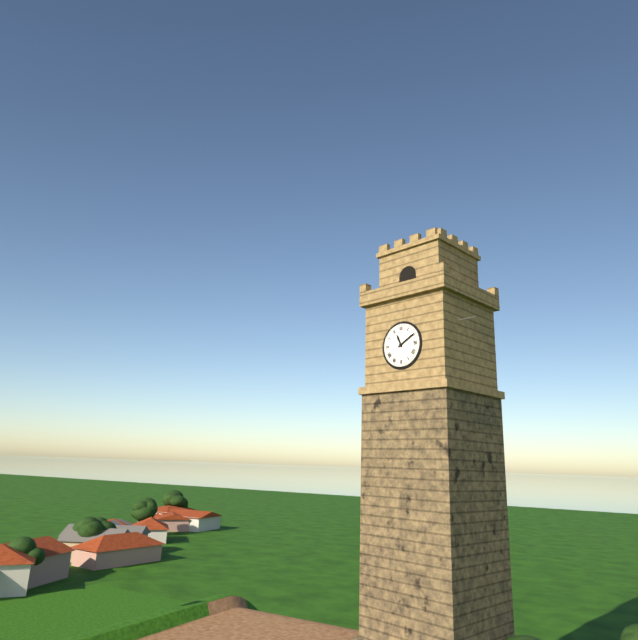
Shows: h=11 m=10
